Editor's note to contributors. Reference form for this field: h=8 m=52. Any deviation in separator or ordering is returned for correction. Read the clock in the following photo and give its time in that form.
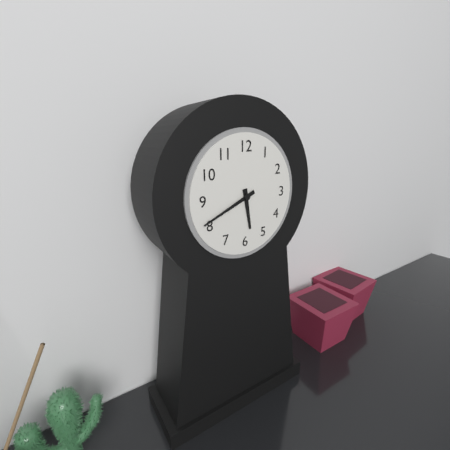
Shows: h=5 m=41
